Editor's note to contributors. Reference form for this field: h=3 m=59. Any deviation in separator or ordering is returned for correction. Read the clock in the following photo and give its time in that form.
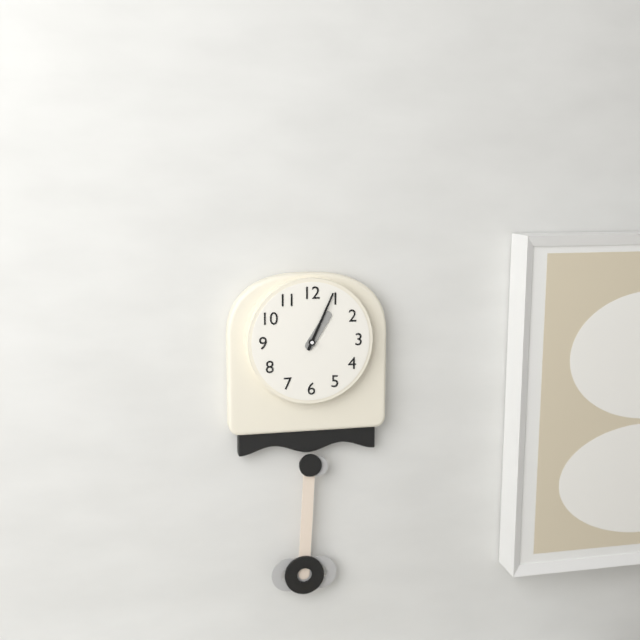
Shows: h=1 m=4
